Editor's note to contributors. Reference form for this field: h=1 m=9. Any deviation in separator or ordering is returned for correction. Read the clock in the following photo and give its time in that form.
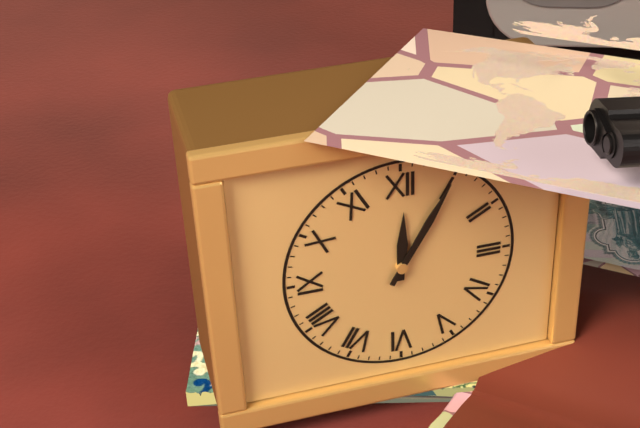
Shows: h=12 m=5
